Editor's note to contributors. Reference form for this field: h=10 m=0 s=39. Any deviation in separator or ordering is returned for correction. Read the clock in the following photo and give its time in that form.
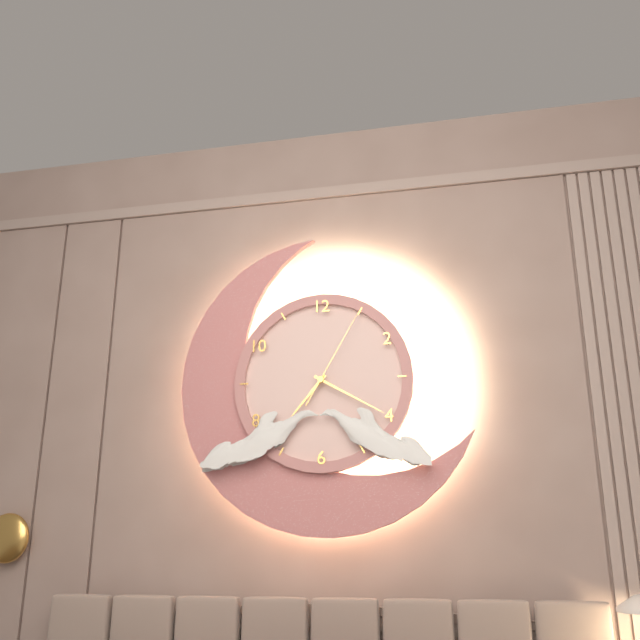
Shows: h=7 m=20 s=5
